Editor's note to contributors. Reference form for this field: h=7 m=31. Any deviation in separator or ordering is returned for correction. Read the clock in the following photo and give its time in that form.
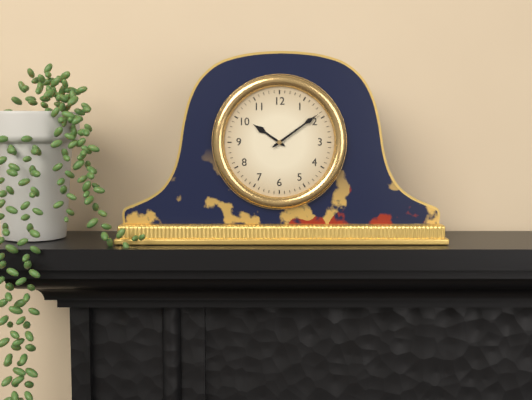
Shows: h=10 m=9
